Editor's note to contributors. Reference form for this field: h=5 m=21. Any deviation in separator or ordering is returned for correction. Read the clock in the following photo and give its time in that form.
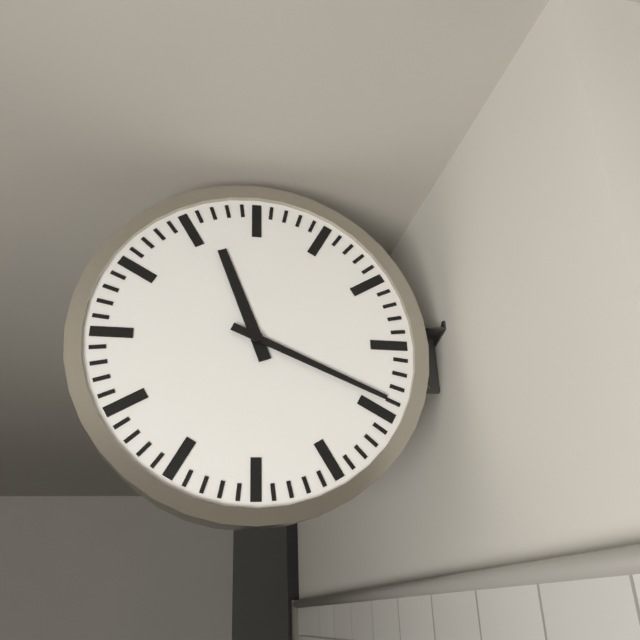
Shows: h=11 m=19
